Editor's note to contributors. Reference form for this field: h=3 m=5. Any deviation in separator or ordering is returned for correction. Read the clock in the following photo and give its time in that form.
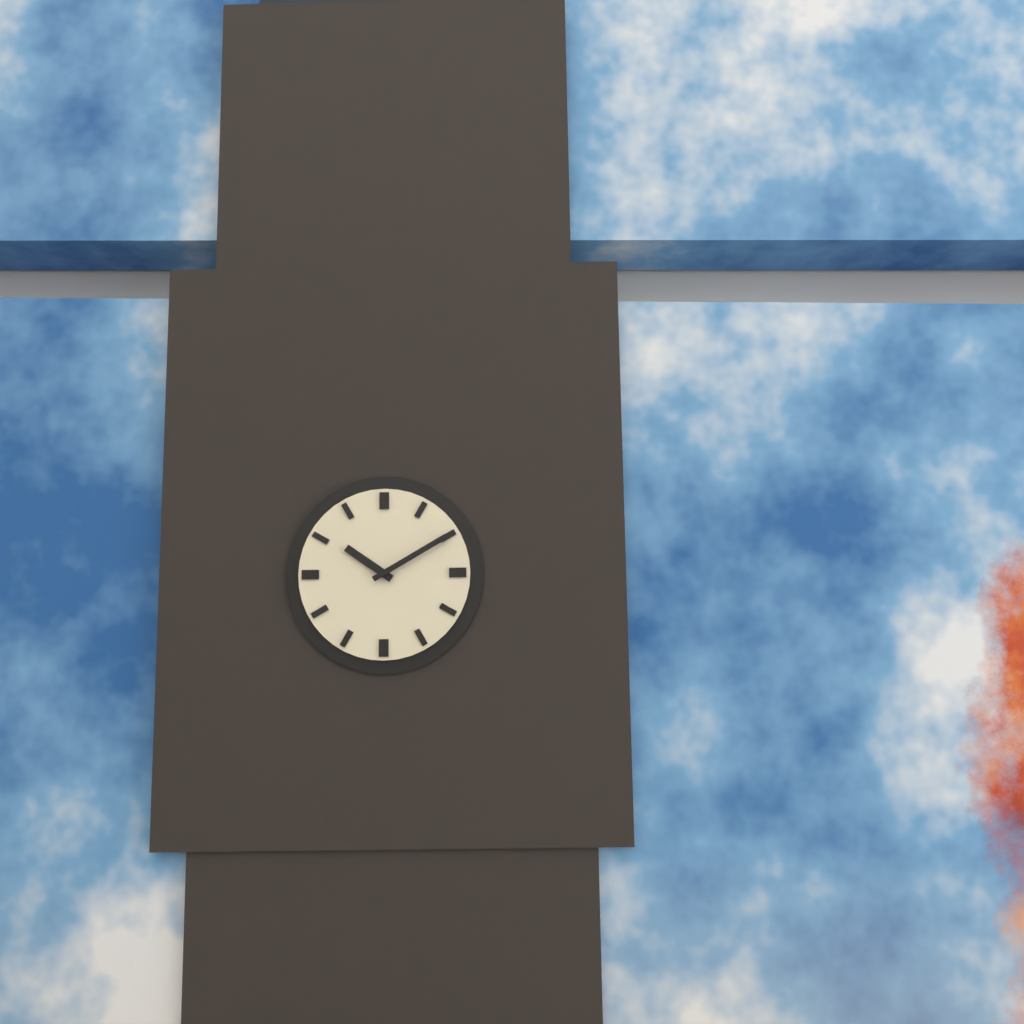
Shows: h=10 m=10
